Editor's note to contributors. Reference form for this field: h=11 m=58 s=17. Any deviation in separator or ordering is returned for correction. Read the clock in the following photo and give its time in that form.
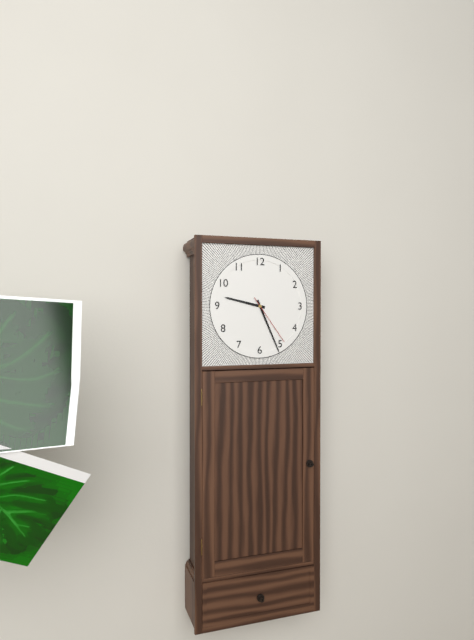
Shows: h=9 m=26 s=24
